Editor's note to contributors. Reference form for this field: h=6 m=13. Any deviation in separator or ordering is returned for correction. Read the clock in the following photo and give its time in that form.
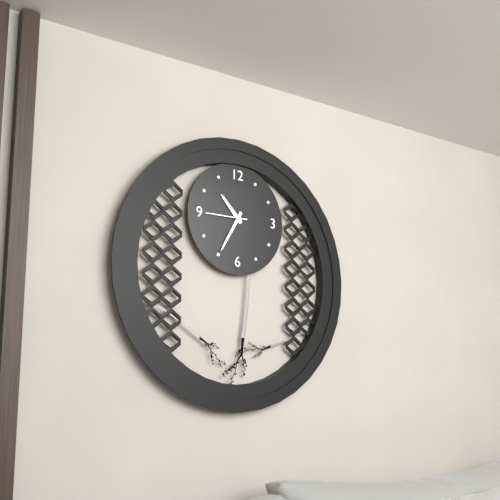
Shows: h=10 m=35
